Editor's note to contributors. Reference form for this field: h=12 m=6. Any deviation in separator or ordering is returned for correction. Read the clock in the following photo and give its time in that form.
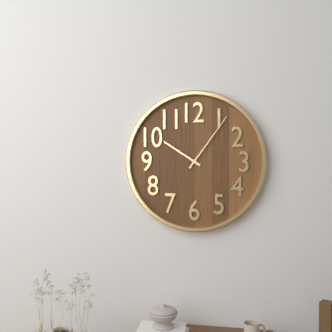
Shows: h=10 m=6
